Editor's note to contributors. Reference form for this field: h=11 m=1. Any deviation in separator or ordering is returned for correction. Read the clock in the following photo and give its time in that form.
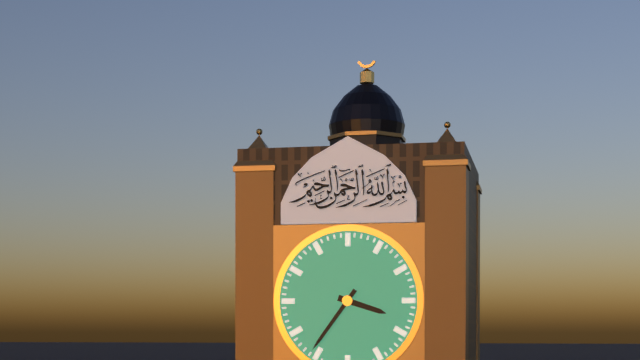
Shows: h=3 m=36
